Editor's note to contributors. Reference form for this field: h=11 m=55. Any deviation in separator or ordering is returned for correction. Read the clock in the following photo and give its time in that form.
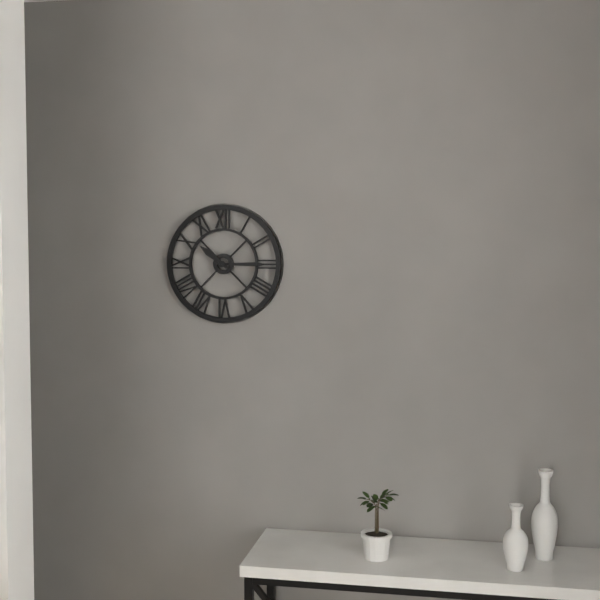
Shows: h=10 m=15
